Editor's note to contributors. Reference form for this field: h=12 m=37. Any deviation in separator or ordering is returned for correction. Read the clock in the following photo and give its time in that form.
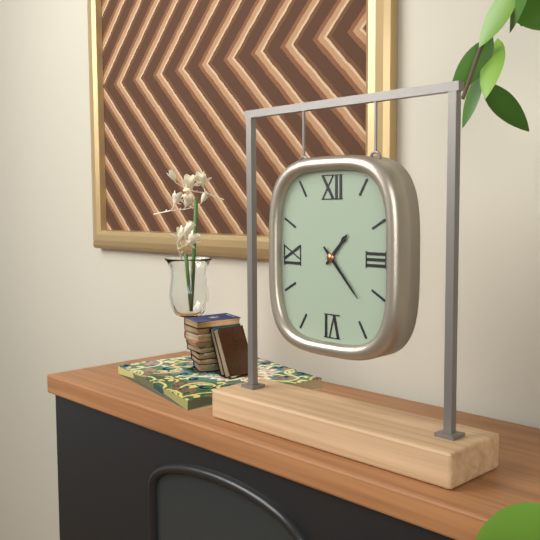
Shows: h=1 m=23
